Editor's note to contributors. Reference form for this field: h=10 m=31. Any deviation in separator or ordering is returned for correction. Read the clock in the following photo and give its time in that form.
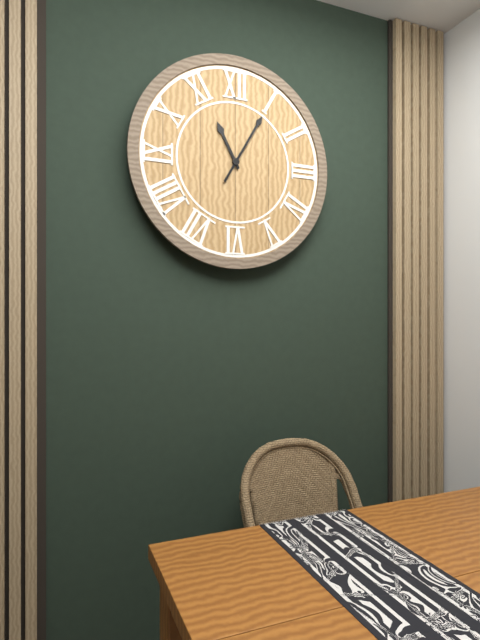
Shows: h=11 m=5
